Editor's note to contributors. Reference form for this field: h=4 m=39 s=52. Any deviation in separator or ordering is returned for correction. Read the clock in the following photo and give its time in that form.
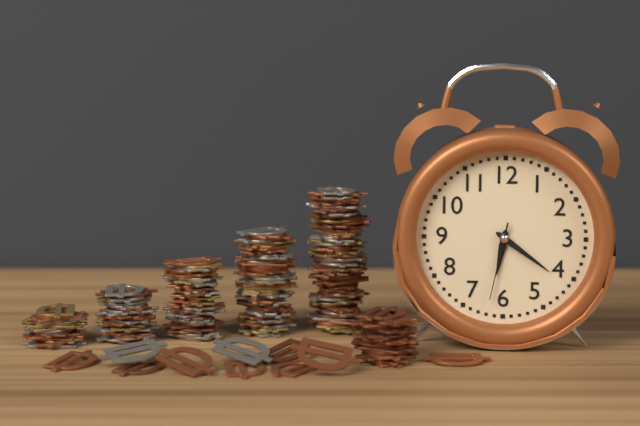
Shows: h=6 m=21 s=32
